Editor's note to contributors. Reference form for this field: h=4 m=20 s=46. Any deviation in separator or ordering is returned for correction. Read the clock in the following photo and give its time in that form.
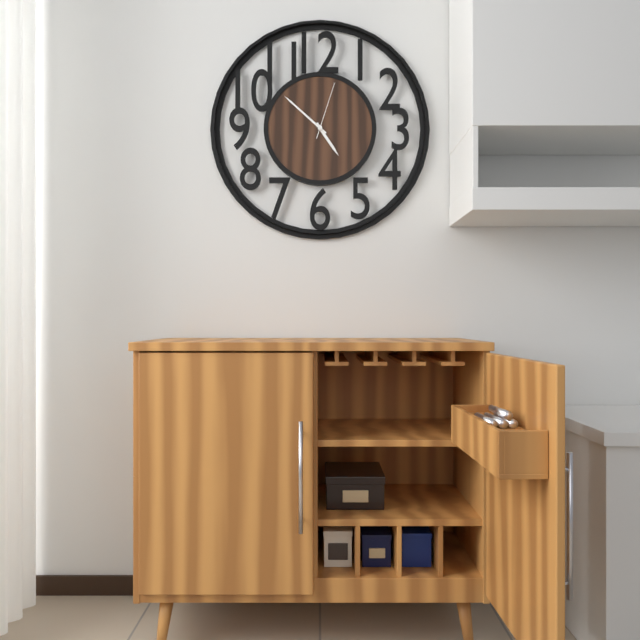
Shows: h=4 m=52 s=3
